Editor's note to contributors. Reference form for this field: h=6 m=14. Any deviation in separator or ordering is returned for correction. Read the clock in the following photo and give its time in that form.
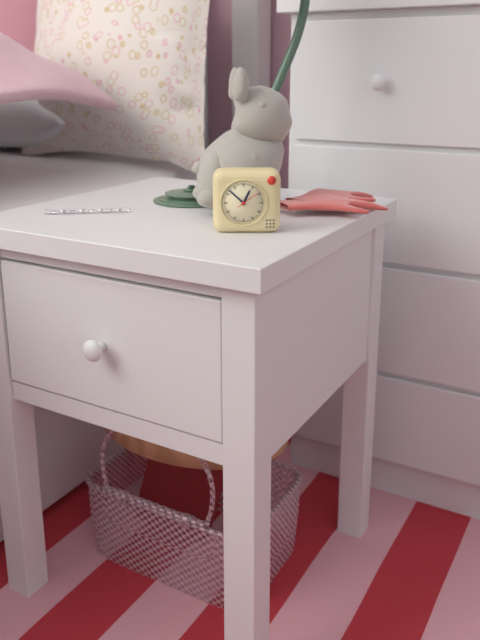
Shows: h=12 m=52
